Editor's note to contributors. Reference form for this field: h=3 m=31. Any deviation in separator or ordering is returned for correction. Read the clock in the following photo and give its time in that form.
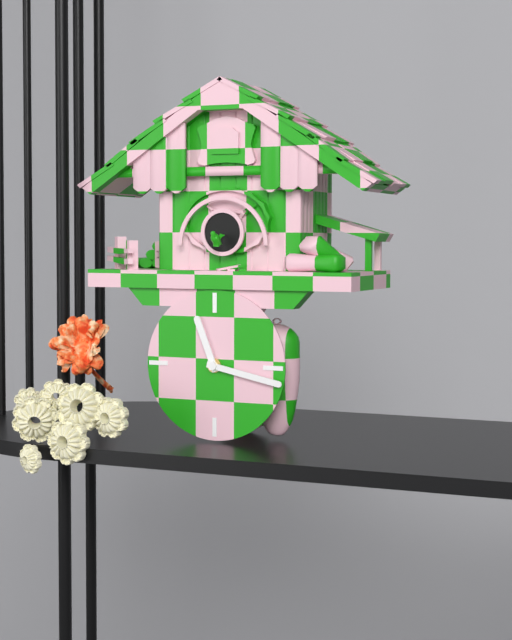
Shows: h=11 m=17
